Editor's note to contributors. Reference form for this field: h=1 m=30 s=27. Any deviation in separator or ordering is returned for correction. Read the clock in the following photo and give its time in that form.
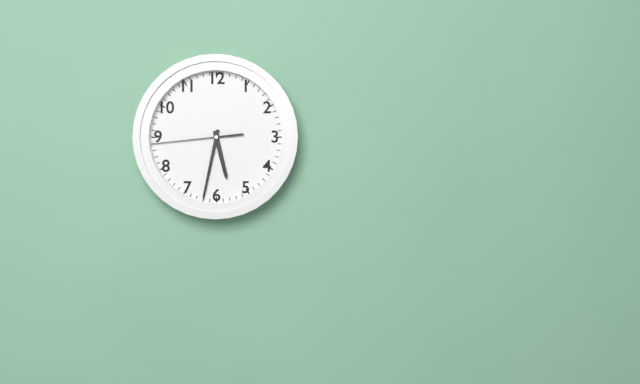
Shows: h=5 m=32 s=44
